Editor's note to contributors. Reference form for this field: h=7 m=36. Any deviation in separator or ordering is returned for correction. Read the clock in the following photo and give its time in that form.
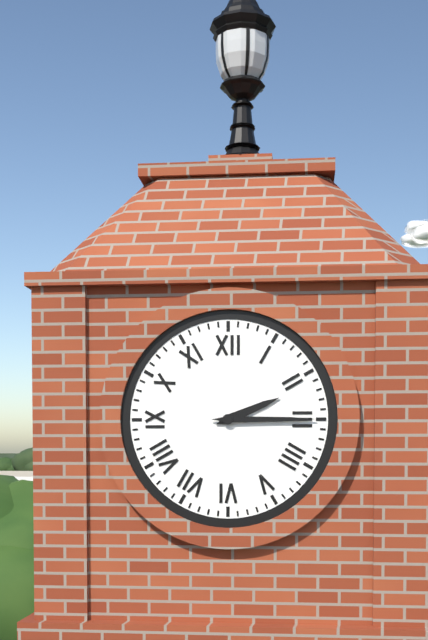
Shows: h=2 m=15
